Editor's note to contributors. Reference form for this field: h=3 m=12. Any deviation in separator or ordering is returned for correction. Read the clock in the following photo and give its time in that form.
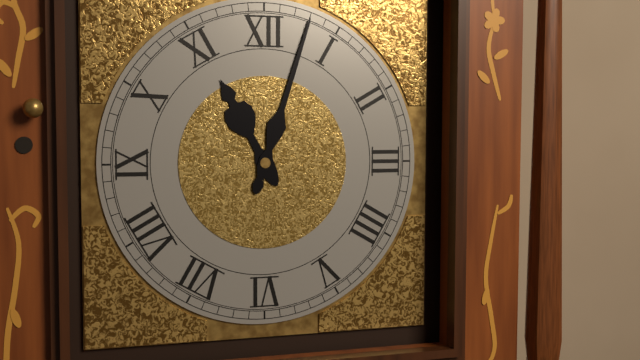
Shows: h=11 m=3
